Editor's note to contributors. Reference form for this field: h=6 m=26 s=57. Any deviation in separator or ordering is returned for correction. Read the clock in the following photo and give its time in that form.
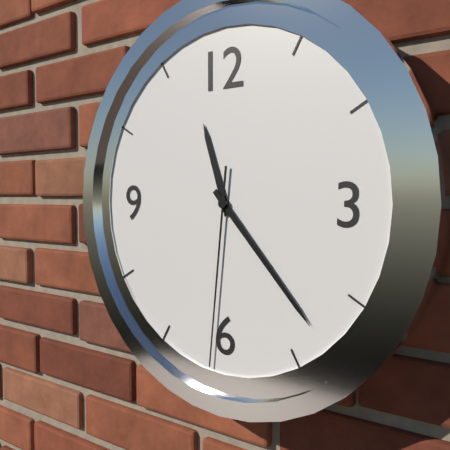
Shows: h=11 m=23 s=31
